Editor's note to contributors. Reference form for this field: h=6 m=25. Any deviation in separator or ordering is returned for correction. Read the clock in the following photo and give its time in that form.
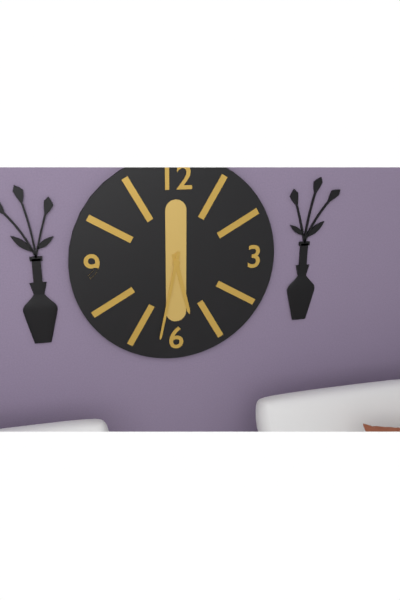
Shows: h=5 m=32
